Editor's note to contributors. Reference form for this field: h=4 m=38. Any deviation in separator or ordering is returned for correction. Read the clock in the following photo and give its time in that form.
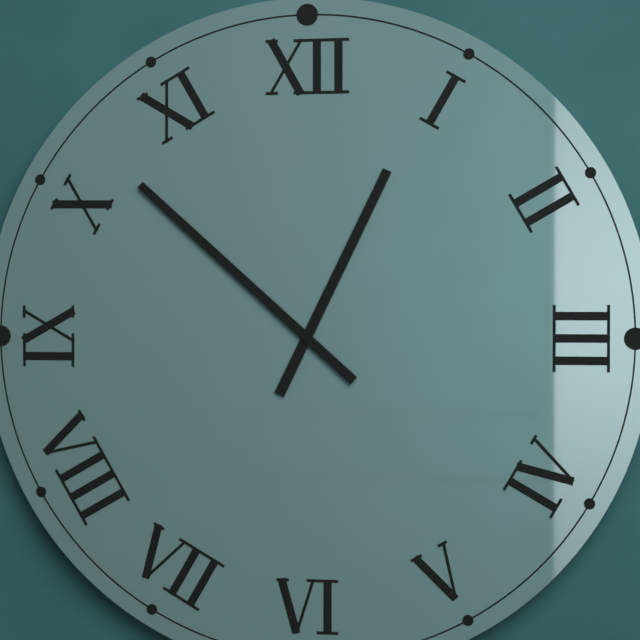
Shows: h=12 m=52
